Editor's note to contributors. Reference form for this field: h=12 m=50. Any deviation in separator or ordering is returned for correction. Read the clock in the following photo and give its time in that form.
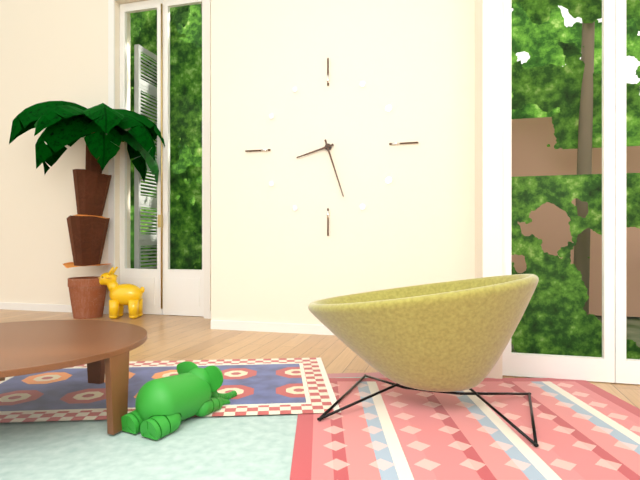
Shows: h=8 m=27
